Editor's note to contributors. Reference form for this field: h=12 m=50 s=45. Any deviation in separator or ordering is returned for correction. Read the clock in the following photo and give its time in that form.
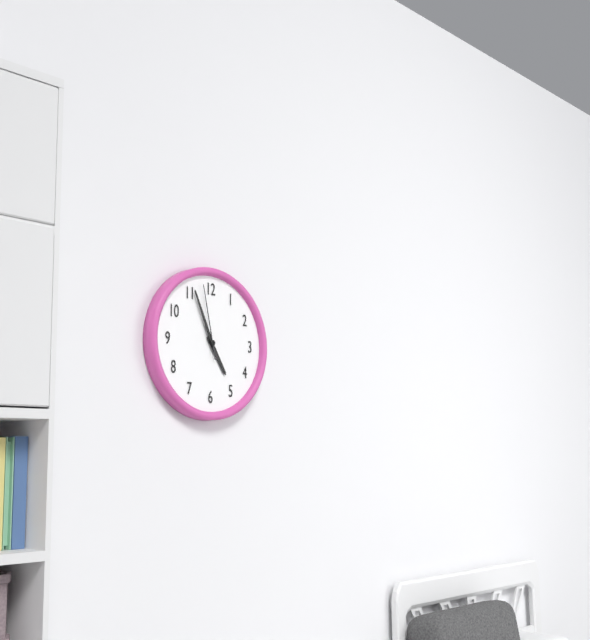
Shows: h=4 m=56 s=58
